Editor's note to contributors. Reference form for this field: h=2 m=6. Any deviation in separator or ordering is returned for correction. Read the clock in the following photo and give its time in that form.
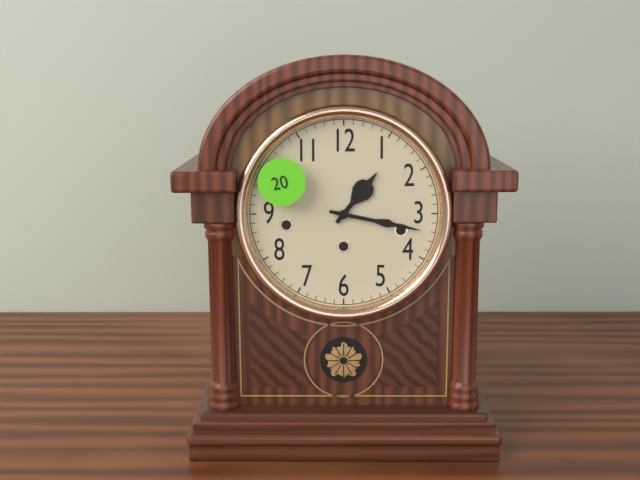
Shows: h=1 m=17
